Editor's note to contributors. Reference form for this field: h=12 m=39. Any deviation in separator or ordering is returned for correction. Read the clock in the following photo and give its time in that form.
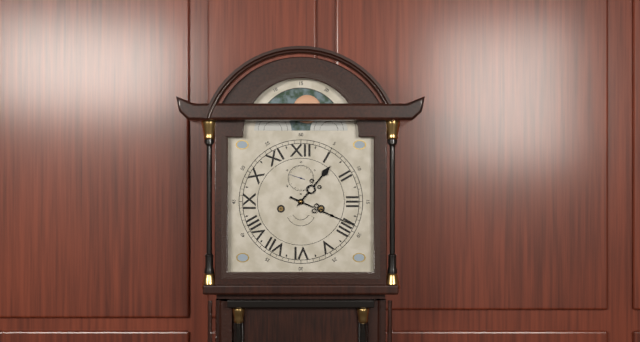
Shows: h=1 m=19
